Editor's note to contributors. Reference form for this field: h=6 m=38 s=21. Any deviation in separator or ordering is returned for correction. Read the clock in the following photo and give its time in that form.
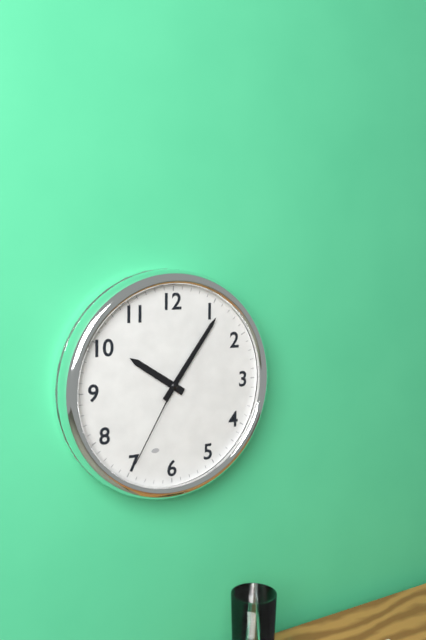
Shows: h=10 m=6 s=35
